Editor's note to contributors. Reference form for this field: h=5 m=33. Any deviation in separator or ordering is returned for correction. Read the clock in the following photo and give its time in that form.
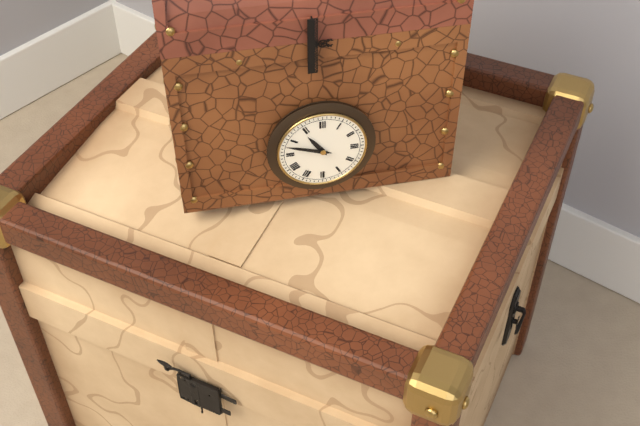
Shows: h=10 m=48
